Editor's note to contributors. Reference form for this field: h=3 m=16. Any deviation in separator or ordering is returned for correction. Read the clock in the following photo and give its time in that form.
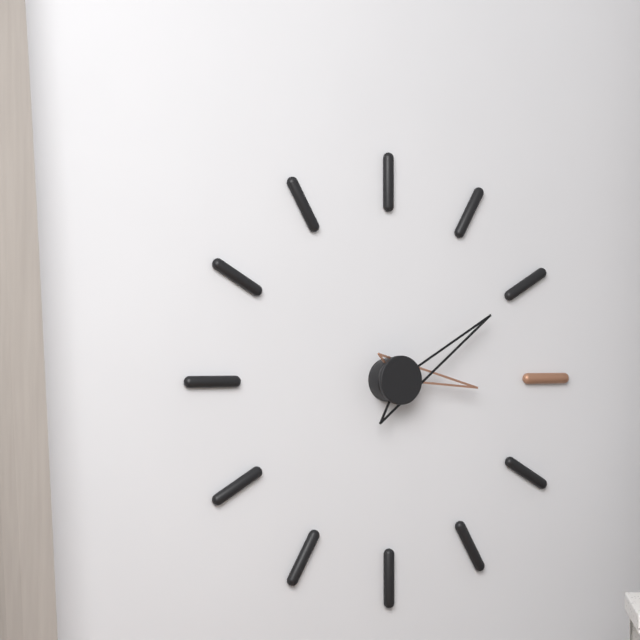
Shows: h=3 m=10
